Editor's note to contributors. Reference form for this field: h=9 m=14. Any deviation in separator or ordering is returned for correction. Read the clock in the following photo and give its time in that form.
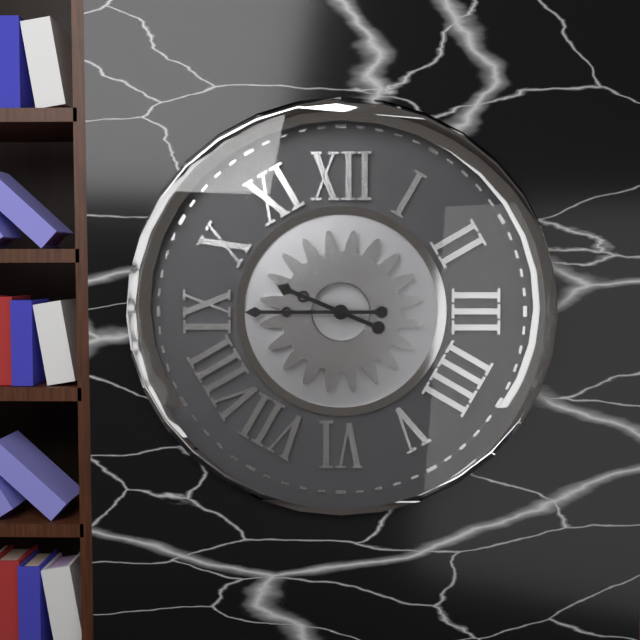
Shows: h=9 m=45
